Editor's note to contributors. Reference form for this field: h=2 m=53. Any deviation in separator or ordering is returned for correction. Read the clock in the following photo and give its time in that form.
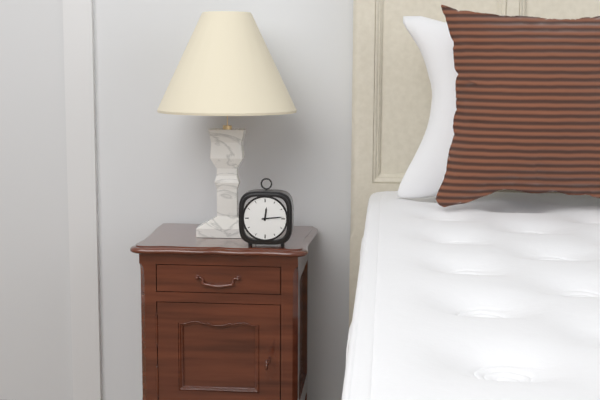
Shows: h=12 m=14
